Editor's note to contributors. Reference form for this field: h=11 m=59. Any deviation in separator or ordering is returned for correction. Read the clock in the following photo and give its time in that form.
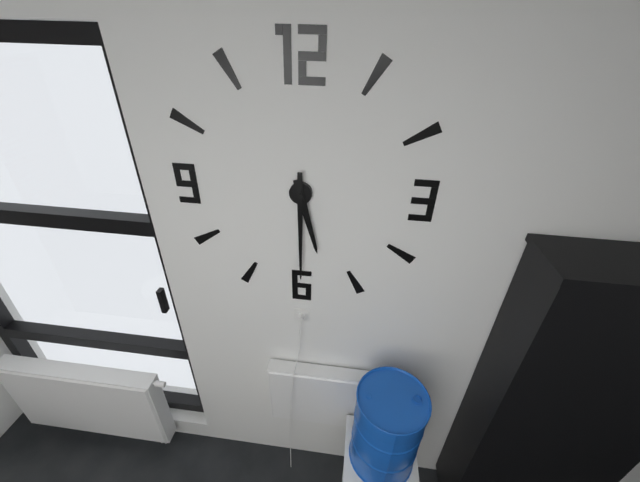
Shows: h=5 m=30
